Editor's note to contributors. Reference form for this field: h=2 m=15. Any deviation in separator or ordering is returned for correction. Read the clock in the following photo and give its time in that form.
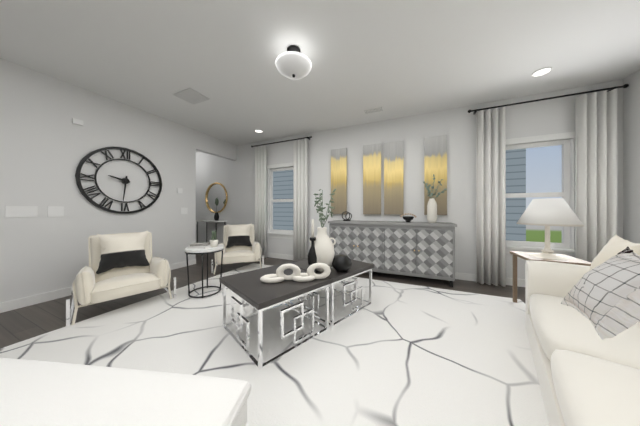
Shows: h=9 m=31
